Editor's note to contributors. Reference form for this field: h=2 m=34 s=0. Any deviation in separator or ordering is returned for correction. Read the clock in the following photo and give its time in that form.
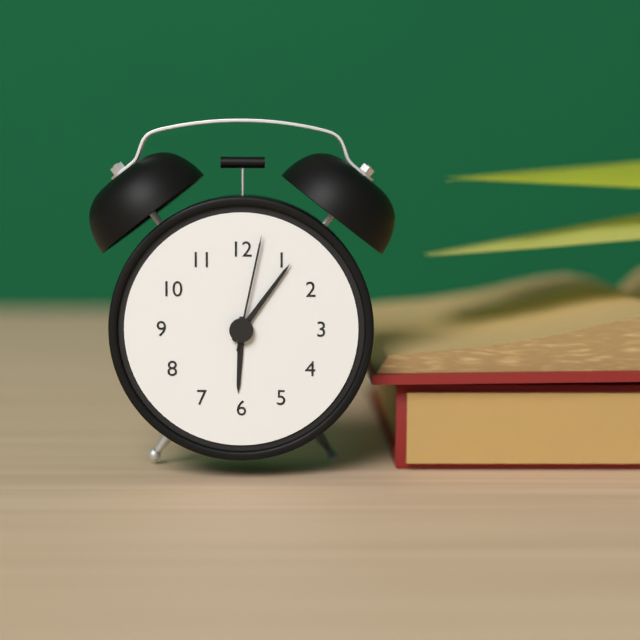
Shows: h=6 m=6 s=2
